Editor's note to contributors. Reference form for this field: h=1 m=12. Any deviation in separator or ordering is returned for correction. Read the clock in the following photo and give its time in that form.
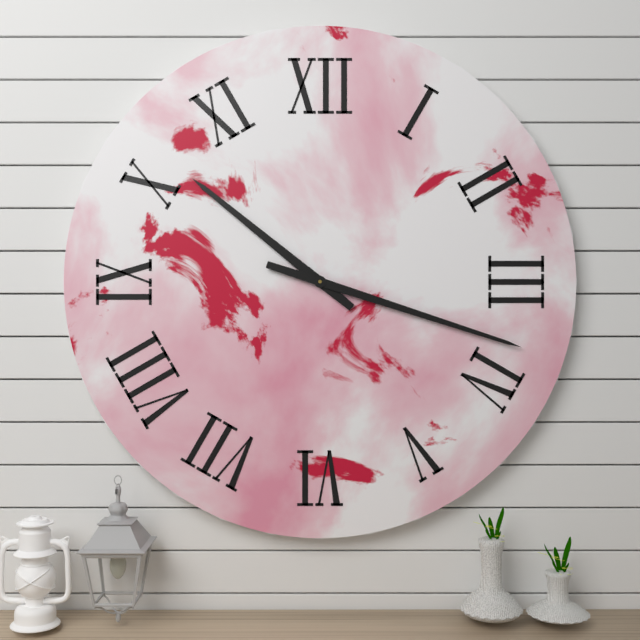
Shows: h=10 m=18
